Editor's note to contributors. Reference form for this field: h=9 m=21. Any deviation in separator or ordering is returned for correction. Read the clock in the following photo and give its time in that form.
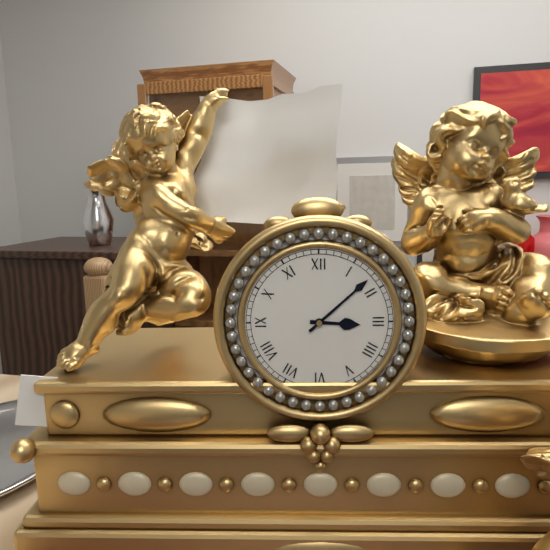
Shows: h=3 m=8
